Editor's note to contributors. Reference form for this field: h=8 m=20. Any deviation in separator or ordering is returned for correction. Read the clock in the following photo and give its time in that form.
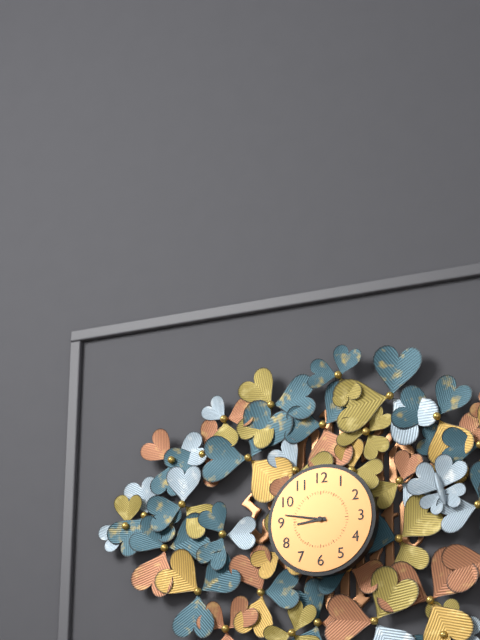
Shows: h=8 m=47
